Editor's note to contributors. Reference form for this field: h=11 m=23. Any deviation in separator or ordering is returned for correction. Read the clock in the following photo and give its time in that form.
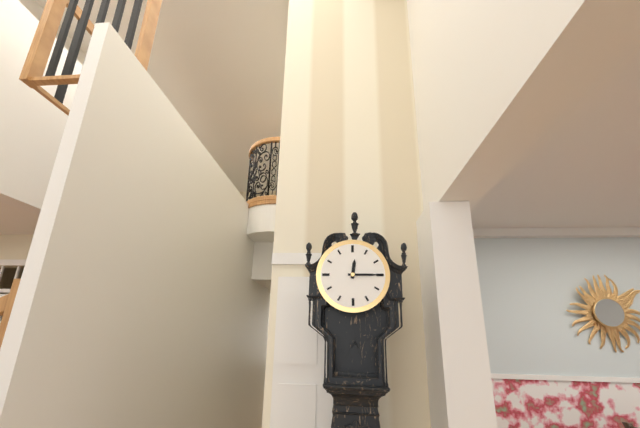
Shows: h=12 m=15
